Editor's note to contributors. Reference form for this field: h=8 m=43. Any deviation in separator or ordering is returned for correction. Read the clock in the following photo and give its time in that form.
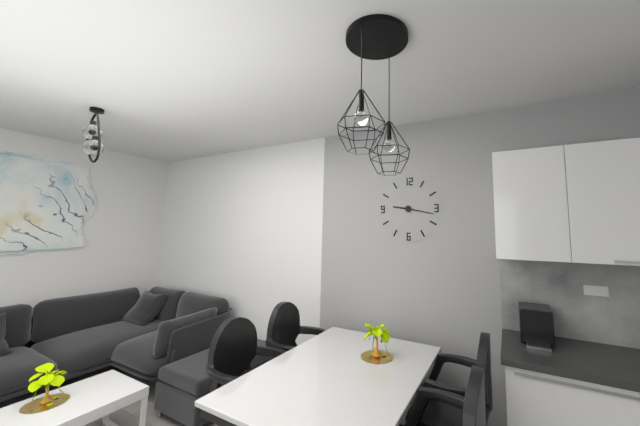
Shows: h=9 m=17
